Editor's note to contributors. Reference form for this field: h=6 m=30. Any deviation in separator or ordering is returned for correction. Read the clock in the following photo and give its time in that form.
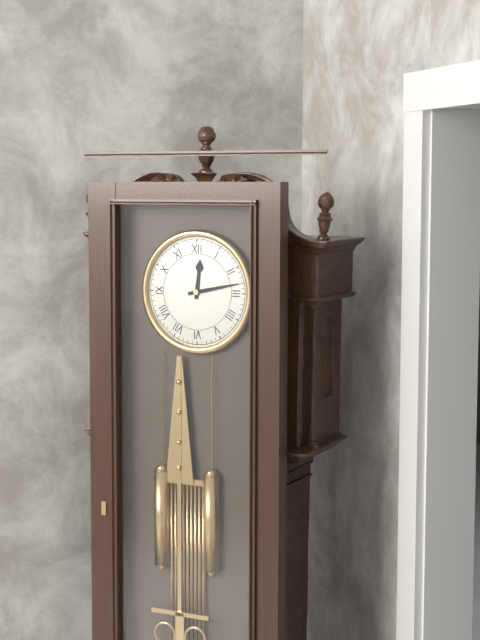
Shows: h=12 m=13
